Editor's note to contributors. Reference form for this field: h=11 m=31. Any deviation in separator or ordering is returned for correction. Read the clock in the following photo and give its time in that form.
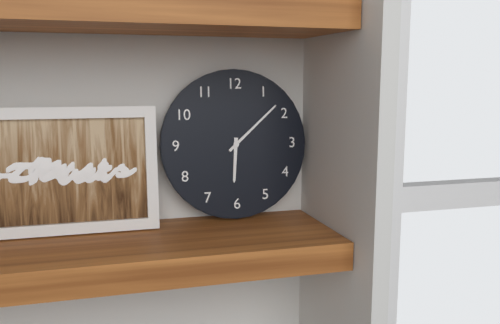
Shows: h=6 m=8
